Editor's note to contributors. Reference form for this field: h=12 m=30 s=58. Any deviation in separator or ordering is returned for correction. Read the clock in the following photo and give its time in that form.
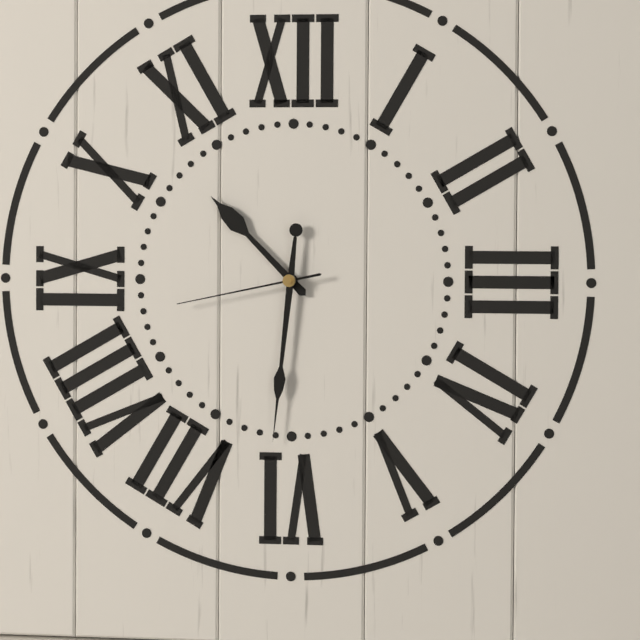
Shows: h=10 m=31 s=43
